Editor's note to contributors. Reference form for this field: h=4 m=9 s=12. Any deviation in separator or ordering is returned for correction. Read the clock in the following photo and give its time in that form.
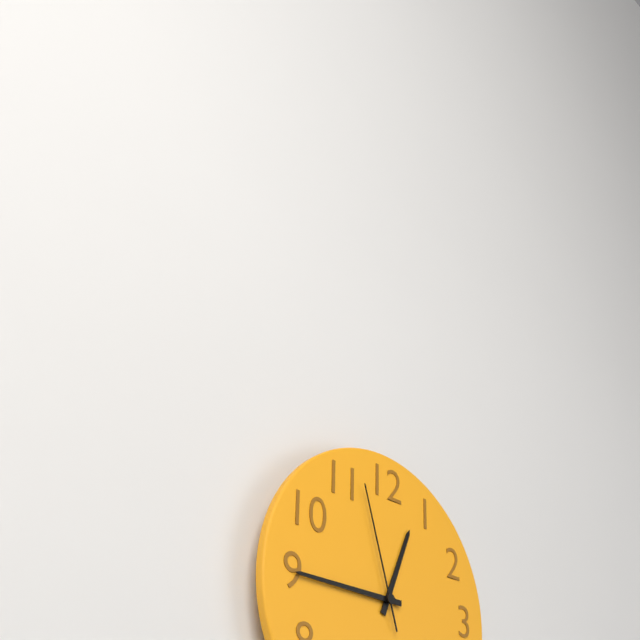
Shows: h=12 m=45 s=57
